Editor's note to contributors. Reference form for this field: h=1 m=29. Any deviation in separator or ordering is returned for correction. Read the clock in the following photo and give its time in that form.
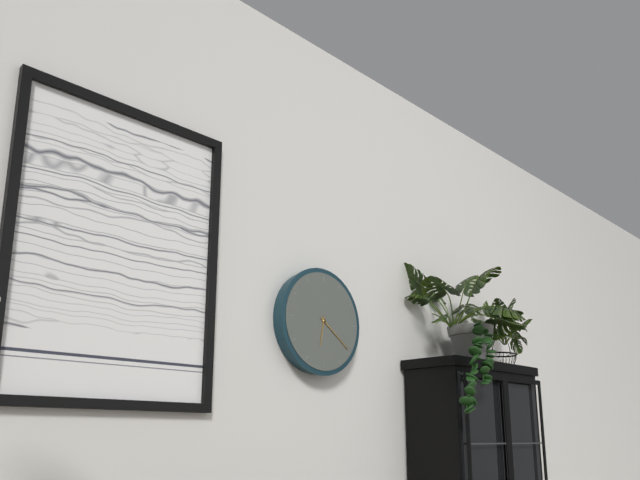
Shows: h=6 m=21
